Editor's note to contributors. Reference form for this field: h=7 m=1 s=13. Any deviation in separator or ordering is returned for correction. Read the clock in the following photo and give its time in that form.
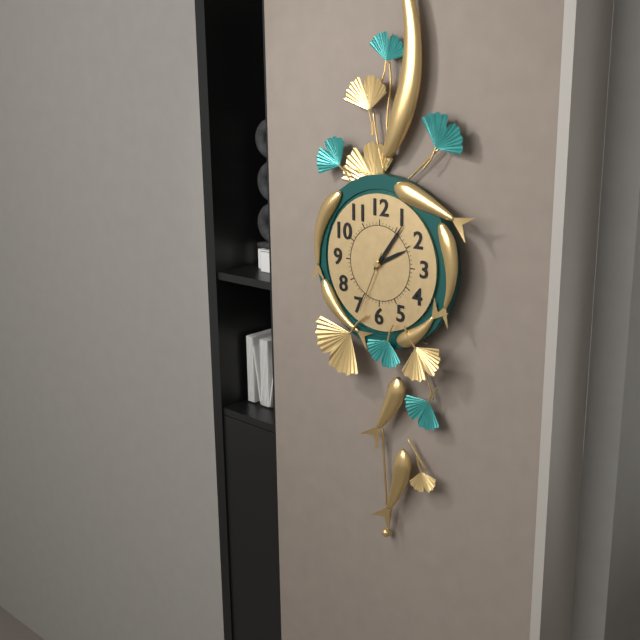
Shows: h=2 m=6 s=34
